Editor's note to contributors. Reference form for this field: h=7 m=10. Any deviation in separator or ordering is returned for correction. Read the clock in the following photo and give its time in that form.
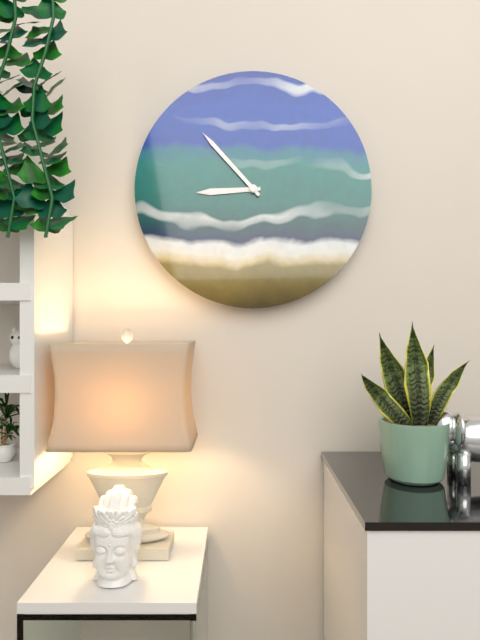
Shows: h=8 m=53
